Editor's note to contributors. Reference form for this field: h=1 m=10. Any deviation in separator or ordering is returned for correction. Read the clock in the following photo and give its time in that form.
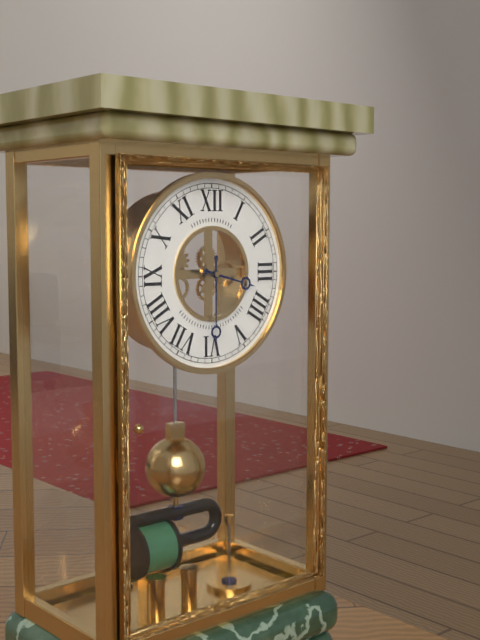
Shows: h=3 m=30
